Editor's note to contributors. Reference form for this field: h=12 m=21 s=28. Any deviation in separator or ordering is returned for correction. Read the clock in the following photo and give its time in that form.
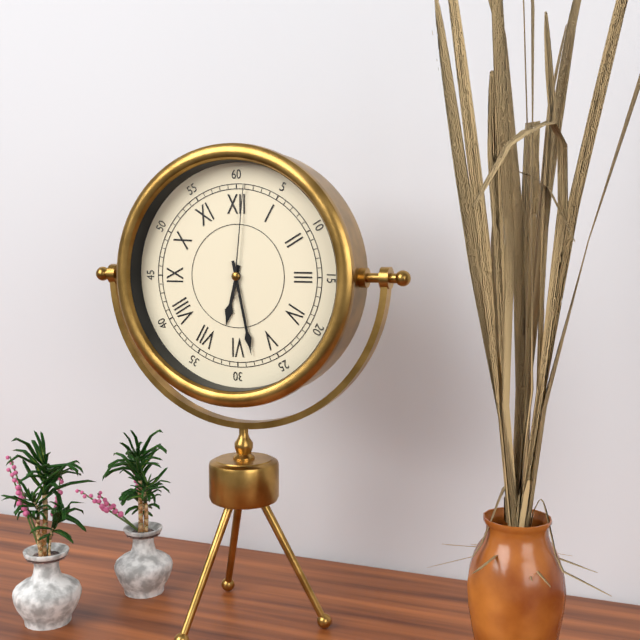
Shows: h=6 m=28 s=1
